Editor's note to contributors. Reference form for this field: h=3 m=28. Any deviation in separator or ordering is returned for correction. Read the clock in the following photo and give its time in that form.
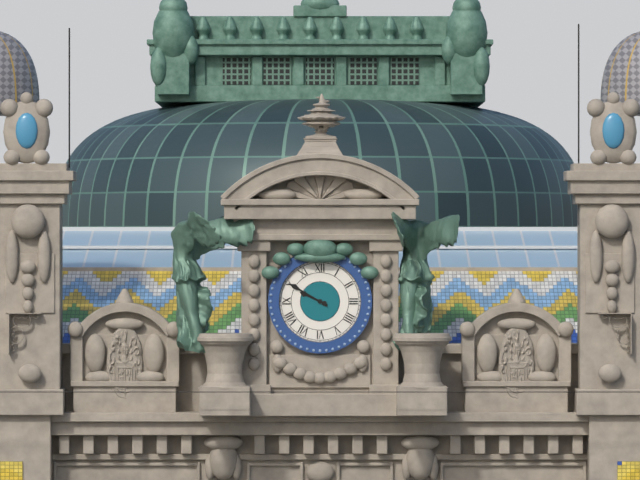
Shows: h=9 m=50
